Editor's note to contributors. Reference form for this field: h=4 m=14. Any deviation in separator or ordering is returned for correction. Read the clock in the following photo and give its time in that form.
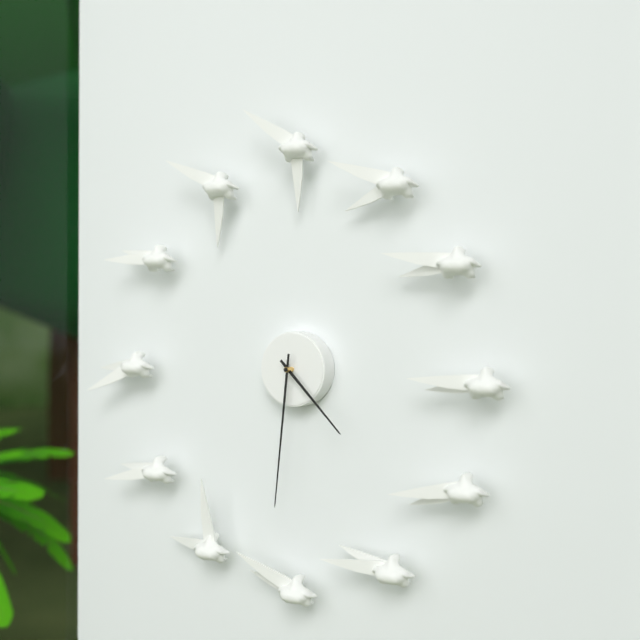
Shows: h=4 m=31
